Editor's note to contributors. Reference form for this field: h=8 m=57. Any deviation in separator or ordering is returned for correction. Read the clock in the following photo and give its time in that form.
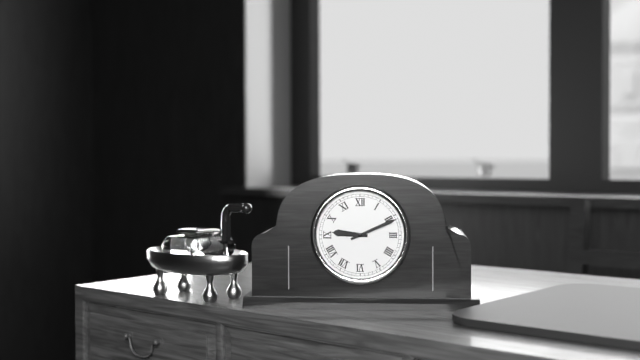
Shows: h=9 m=11
